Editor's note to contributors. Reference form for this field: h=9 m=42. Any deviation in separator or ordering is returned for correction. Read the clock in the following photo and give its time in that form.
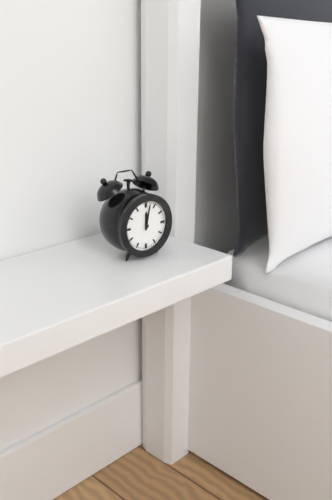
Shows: h=12 m=2
